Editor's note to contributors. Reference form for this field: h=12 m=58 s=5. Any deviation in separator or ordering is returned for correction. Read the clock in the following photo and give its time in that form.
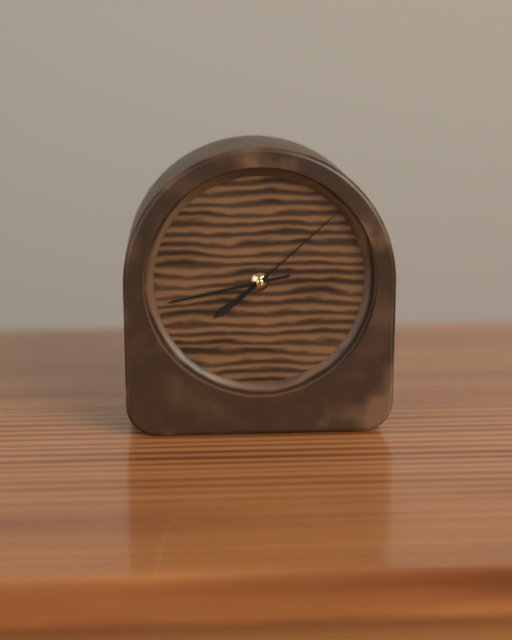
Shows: h=7 m=43 s=8
